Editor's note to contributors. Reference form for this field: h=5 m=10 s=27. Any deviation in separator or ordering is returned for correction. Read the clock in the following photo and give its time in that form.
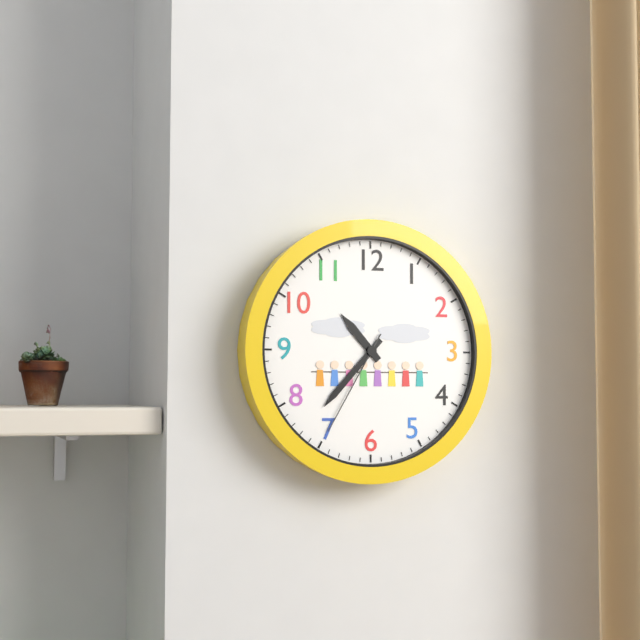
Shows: h=10 m=37 s=35
